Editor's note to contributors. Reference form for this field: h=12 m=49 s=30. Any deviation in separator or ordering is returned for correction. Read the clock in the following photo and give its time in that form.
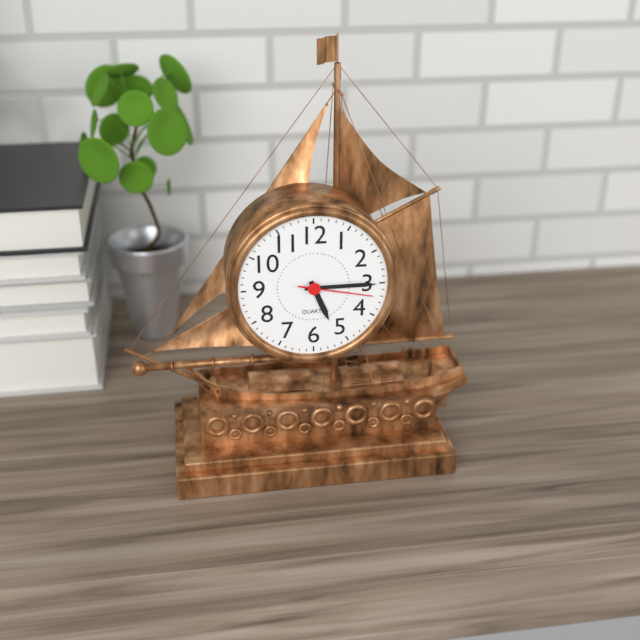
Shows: h=5 m=15 s=17
